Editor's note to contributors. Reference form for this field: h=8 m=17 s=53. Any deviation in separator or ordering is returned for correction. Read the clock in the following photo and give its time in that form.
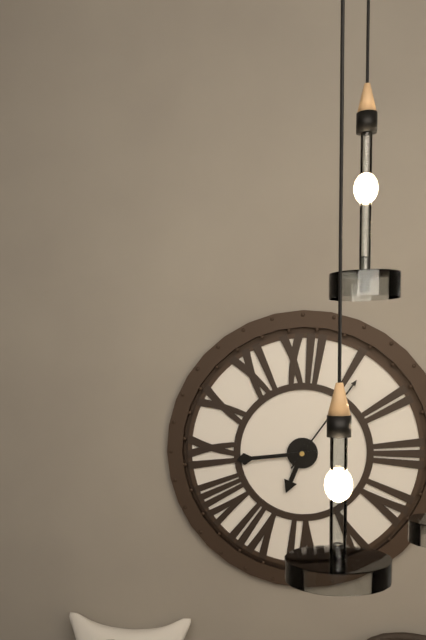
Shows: h=6 m=44 s=6
